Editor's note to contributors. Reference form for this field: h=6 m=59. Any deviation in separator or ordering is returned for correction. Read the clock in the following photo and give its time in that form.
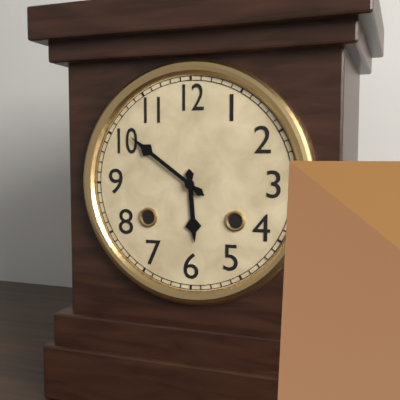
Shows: h=5 m=51
